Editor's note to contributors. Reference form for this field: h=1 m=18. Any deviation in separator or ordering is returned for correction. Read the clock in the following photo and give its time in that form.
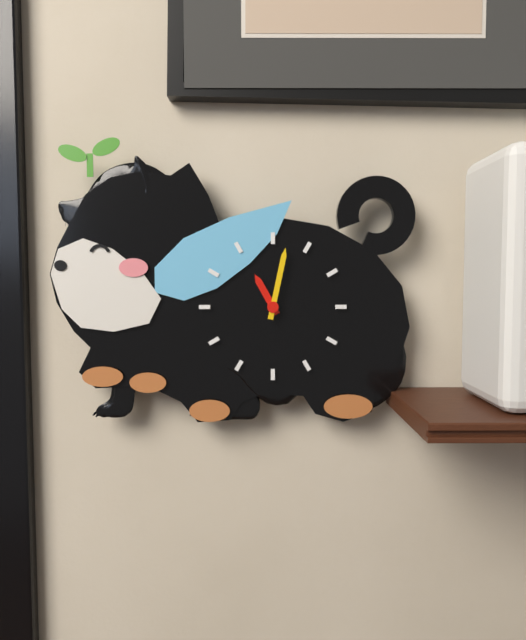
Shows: h=11 m=2
